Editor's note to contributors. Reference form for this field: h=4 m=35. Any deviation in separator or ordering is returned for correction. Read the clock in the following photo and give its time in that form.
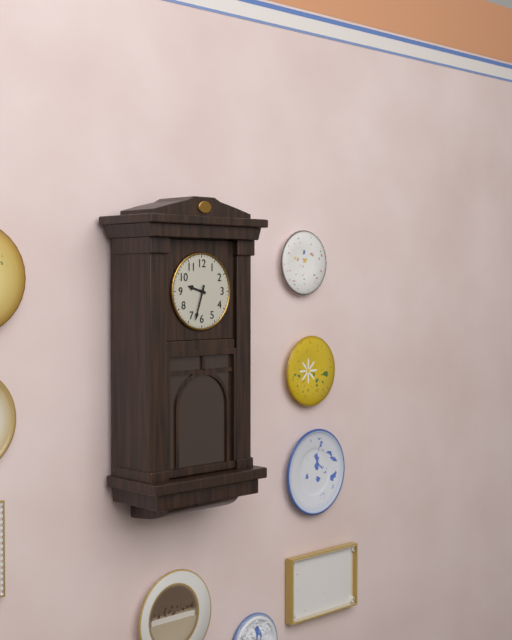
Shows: h=9 m=33
